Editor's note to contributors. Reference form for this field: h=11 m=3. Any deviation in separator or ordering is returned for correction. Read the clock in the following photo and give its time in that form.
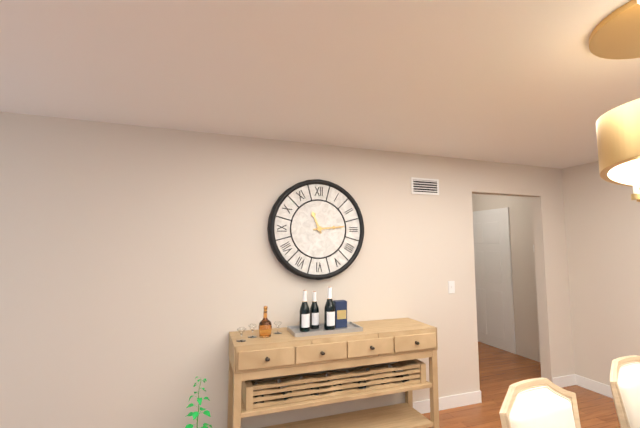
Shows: h=11 m=14
